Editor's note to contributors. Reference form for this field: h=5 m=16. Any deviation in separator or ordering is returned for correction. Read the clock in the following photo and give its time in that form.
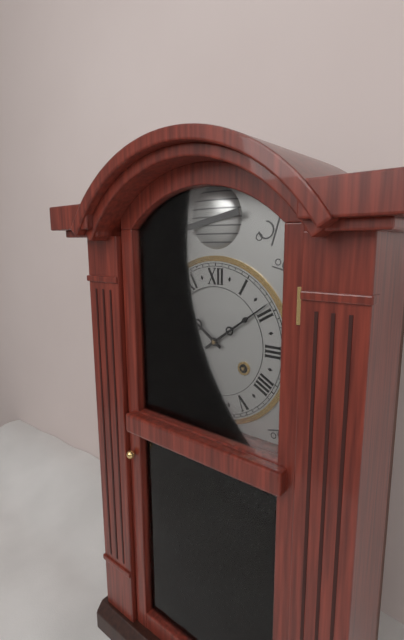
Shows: h=10 m=9
